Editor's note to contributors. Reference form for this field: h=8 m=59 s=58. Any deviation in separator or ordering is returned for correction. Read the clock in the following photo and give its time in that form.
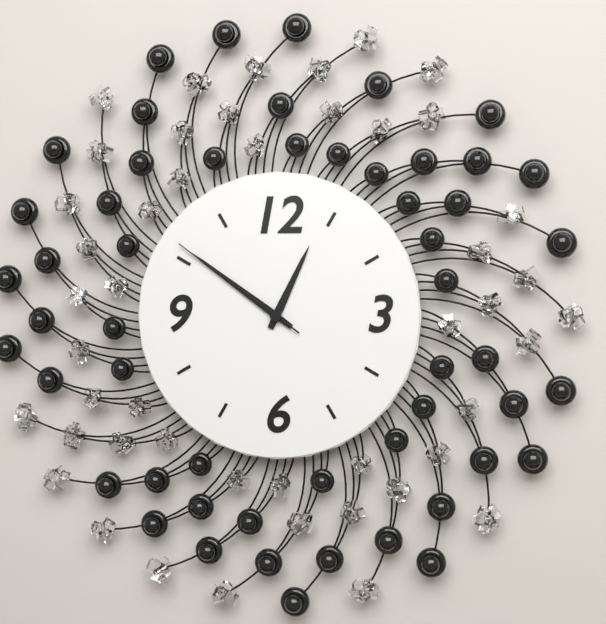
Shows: h=12 m=51 s=51
